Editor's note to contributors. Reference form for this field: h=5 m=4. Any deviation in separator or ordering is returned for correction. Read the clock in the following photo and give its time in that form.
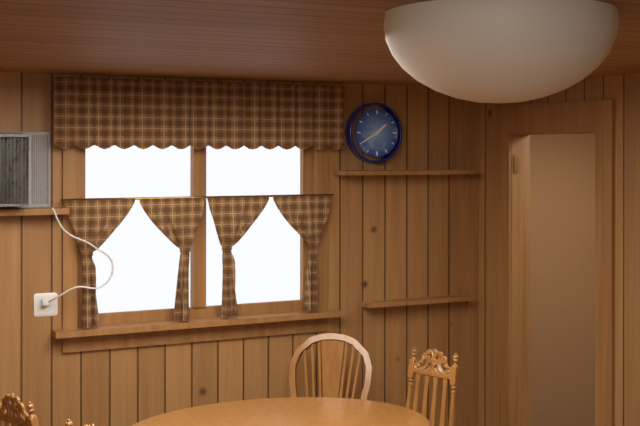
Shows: h=1 m=40
